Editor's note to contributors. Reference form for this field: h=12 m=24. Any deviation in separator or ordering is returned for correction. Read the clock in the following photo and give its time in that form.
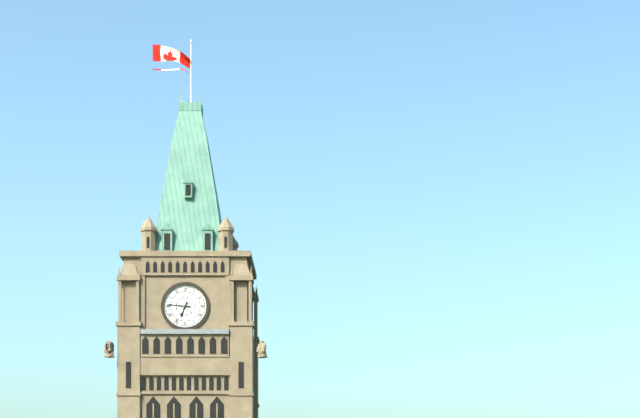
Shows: h=6 m=46
